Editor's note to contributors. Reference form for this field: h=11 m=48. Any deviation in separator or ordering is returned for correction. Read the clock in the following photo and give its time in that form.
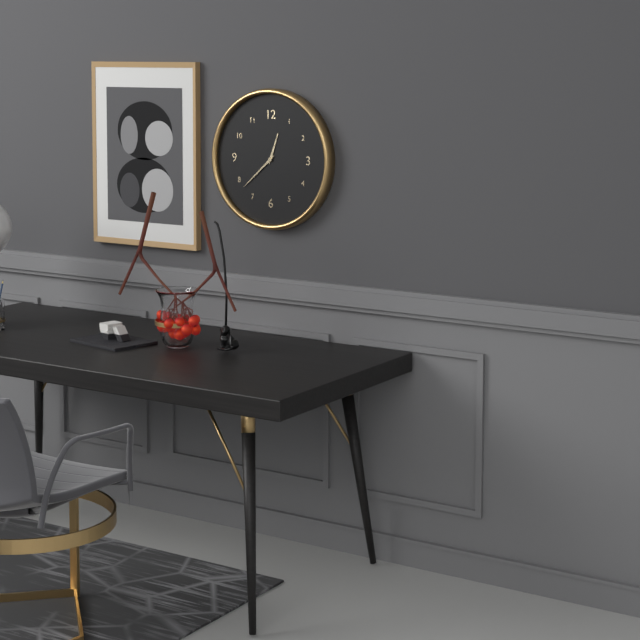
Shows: h=12 m=38
